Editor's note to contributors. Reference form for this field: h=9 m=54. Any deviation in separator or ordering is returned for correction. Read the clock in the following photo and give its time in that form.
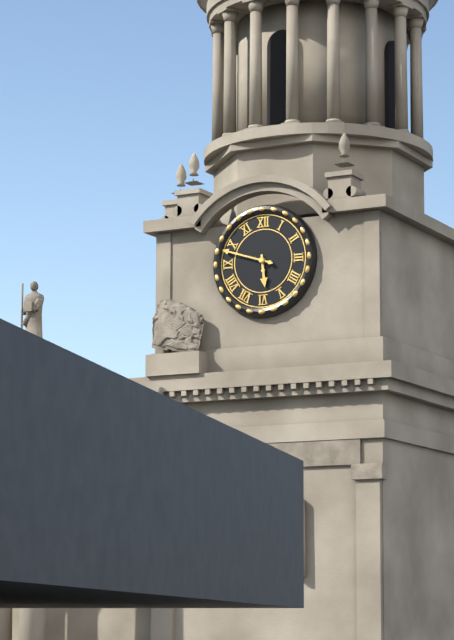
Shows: h=5 m=48
